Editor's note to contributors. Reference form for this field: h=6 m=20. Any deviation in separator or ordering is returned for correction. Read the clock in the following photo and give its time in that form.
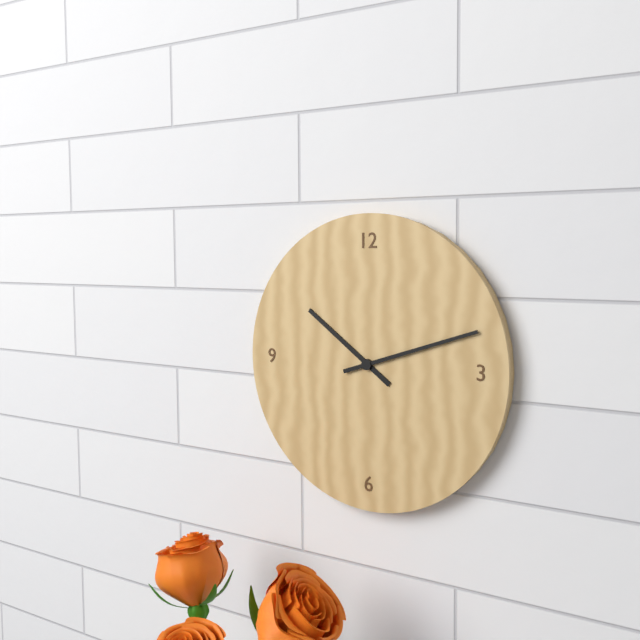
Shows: h=10 m=12
